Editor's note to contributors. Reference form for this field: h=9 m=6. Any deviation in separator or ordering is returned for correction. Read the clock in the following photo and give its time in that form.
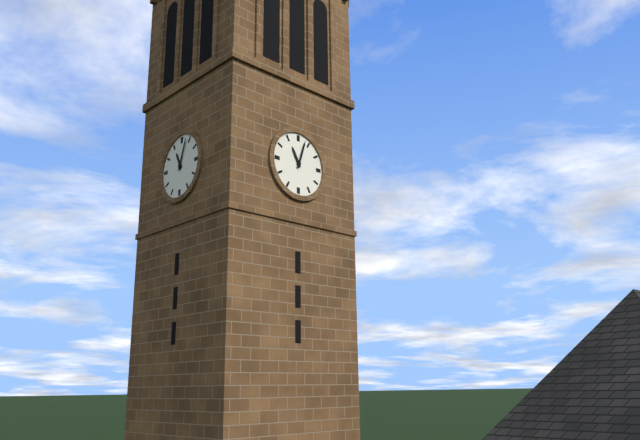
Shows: h=11 m=3
